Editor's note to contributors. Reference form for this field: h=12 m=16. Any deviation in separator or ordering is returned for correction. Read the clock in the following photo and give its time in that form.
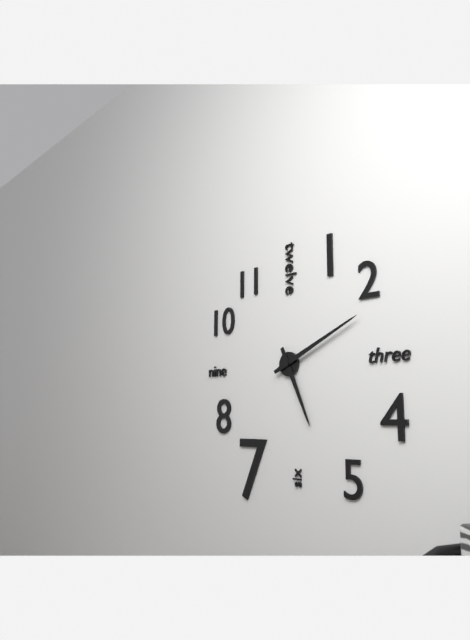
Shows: h=5 m=11
